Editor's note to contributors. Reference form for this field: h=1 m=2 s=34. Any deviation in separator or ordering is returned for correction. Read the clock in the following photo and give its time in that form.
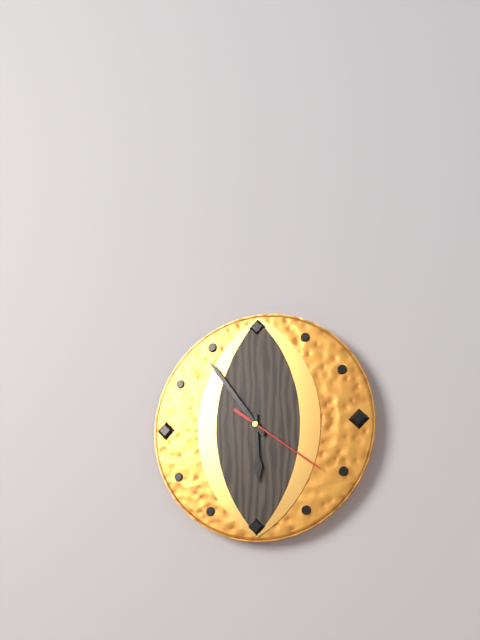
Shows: h=5 m=54 s=21
